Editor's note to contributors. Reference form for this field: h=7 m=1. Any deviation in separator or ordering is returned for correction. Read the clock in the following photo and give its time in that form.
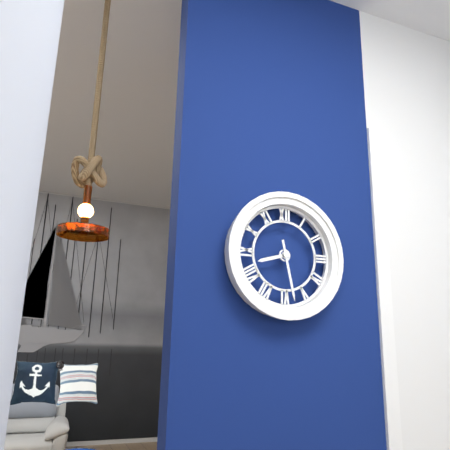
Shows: h=8 m=28
